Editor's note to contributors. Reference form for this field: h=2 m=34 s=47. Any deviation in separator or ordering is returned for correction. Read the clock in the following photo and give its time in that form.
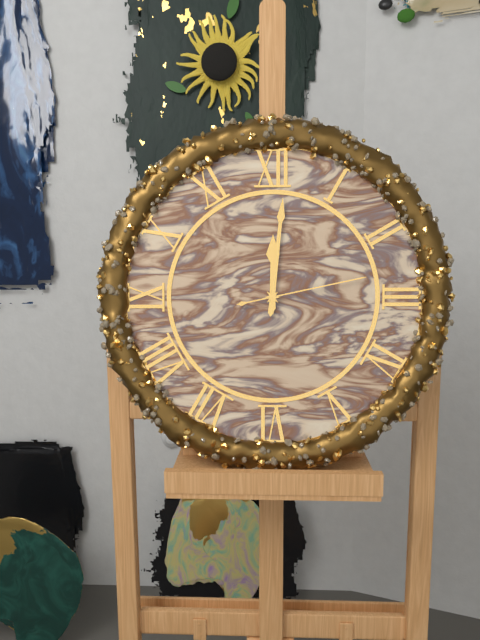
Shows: h=12 m=1 s=13
